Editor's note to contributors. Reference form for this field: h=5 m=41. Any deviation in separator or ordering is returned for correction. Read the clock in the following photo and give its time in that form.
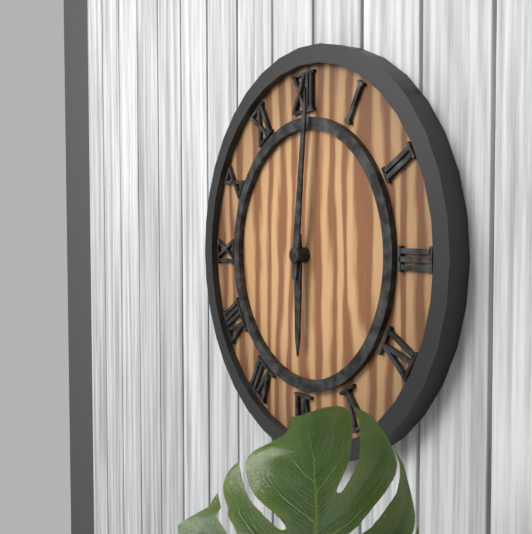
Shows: h=6 m=1
